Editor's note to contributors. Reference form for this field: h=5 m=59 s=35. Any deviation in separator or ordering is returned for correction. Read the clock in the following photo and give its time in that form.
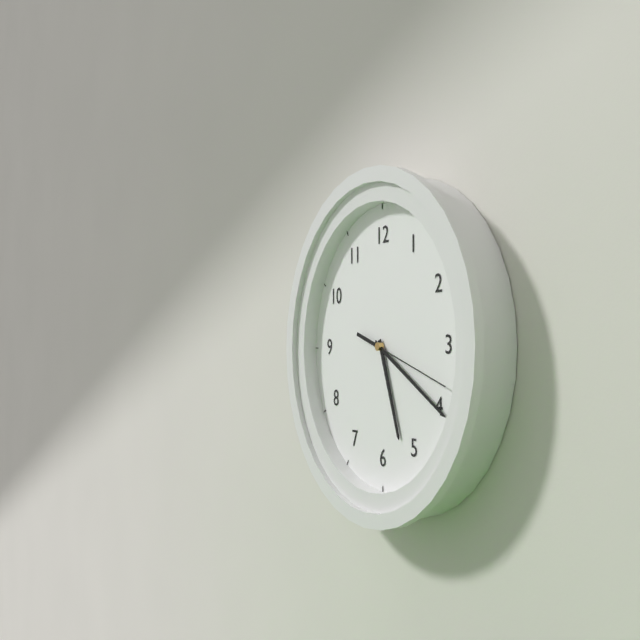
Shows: h=5 m=20 s=18
